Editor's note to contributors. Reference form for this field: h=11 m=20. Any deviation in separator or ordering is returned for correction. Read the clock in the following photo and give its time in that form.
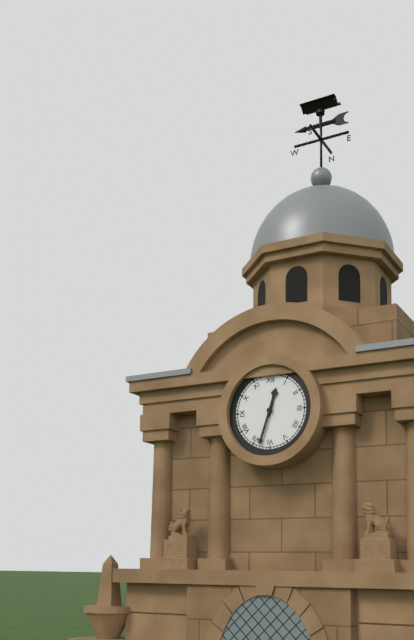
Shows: h=12 m=33
